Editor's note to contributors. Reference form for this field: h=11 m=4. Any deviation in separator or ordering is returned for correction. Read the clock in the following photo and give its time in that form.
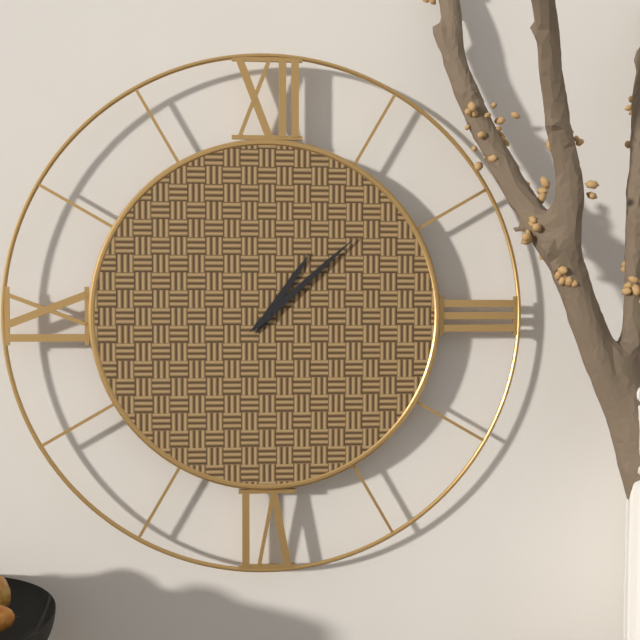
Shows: h=1 m=8
